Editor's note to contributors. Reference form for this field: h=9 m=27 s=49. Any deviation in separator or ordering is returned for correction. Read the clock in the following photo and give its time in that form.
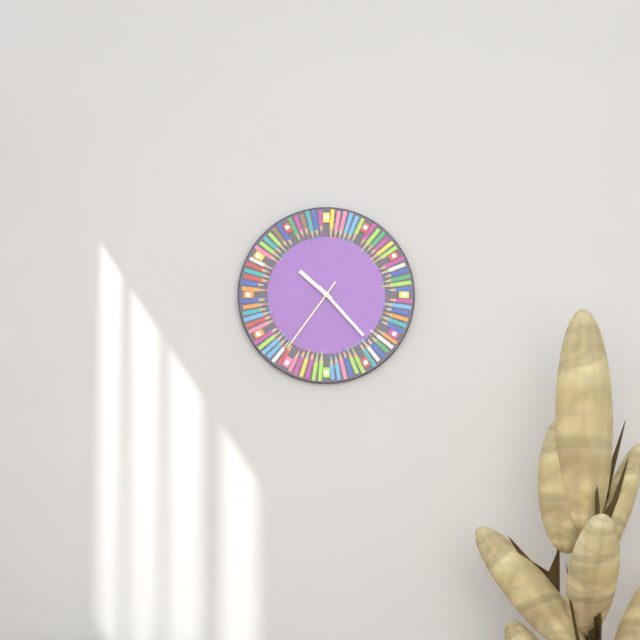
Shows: h=10 m=23 s=36
